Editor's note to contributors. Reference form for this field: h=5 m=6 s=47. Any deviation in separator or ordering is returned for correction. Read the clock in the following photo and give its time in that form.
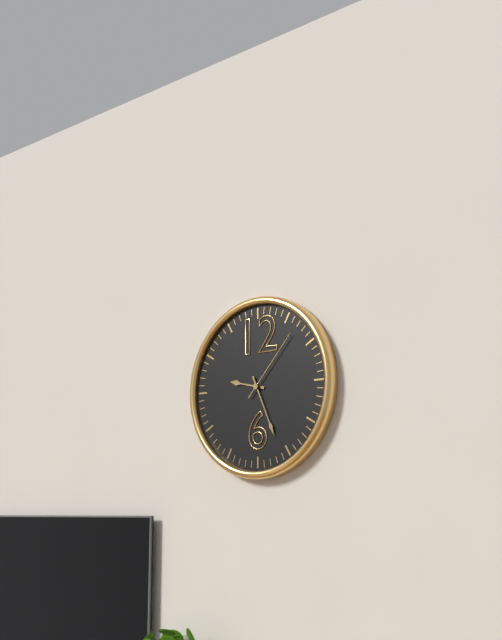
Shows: h=9 m=26 s=7
